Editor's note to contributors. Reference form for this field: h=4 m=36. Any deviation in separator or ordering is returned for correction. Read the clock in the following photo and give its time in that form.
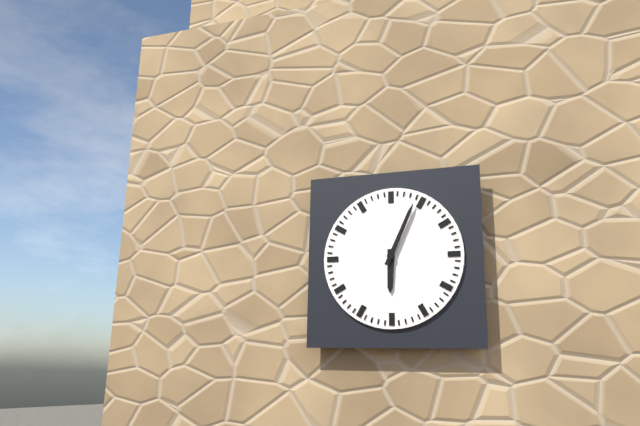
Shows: h=6 m=4
